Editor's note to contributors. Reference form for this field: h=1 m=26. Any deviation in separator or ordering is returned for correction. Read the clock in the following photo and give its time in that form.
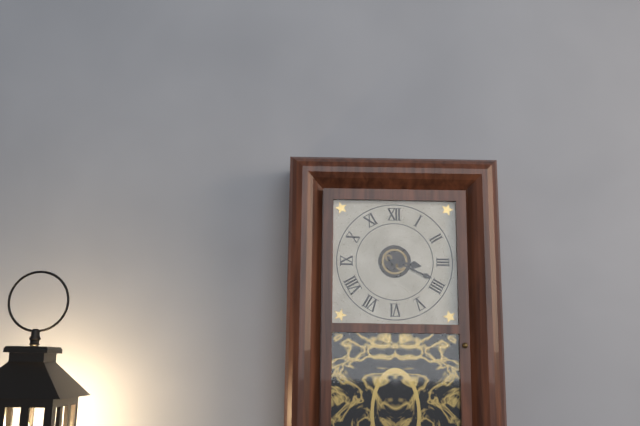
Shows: h=3 m=19
